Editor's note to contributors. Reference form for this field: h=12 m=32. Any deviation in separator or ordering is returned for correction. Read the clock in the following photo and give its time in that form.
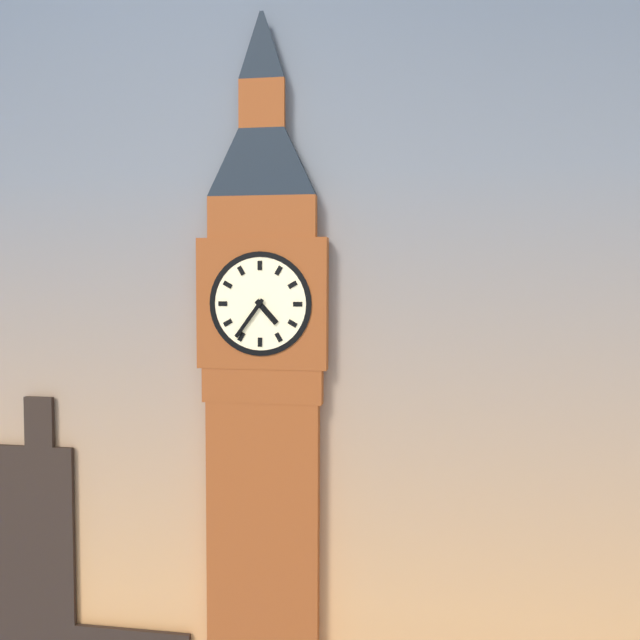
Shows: h=4 m=36
